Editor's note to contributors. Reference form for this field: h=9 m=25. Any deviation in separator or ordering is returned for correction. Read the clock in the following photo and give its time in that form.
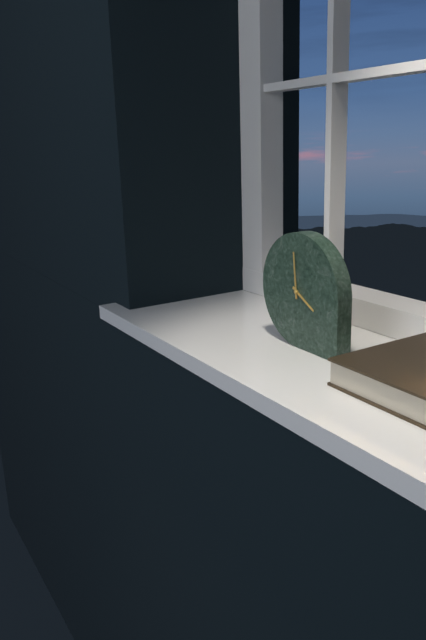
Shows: h=3 m=59
